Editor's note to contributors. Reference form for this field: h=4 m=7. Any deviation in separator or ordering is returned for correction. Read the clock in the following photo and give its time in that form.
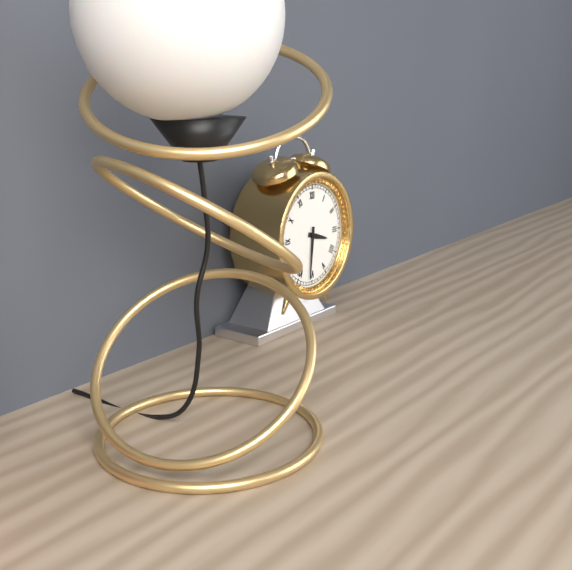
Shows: h=3 m=31
